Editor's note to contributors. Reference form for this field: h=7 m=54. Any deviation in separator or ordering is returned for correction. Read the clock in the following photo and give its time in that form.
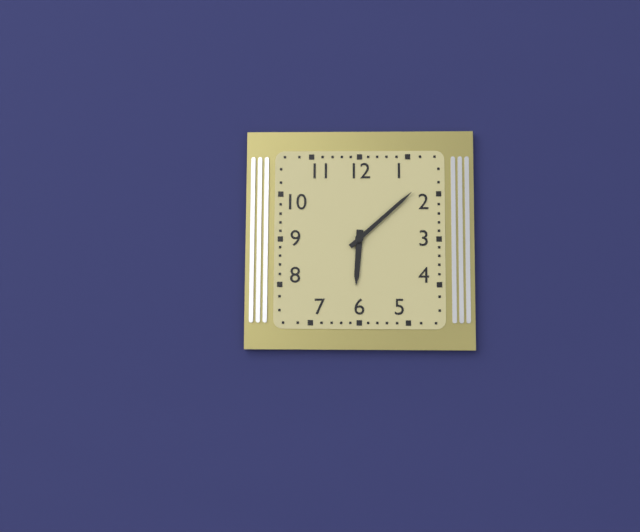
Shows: h=6 m=8
